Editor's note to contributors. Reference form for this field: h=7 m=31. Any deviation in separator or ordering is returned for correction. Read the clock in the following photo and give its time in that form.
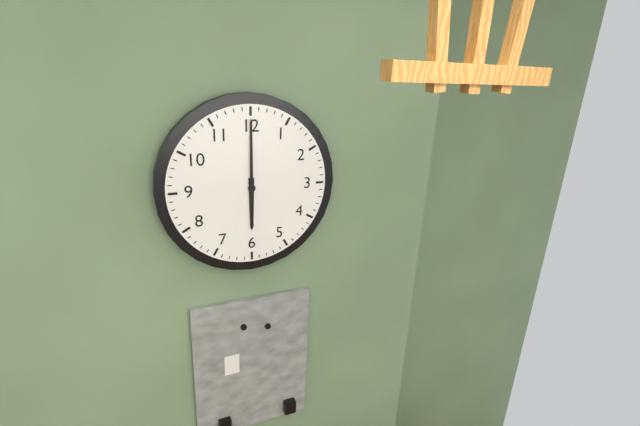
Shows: h=6 m=0
